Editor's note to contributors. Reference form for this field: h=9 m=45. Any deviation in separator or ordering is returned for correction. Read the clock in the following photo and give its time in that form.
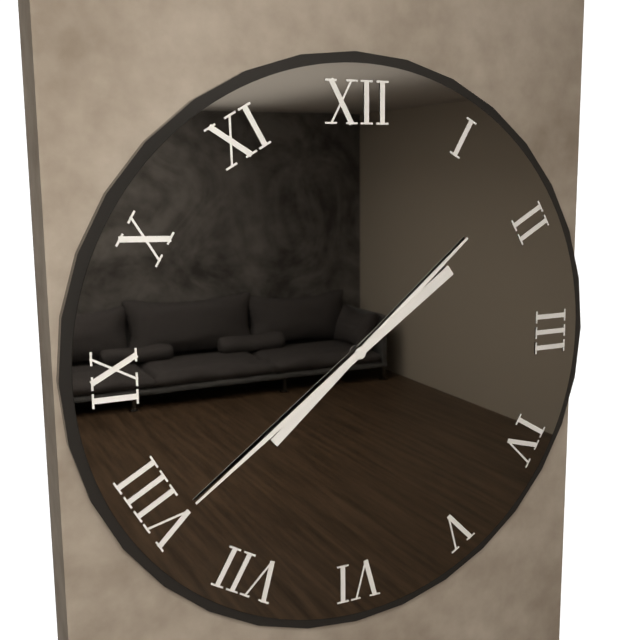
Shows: h=1 m=39
